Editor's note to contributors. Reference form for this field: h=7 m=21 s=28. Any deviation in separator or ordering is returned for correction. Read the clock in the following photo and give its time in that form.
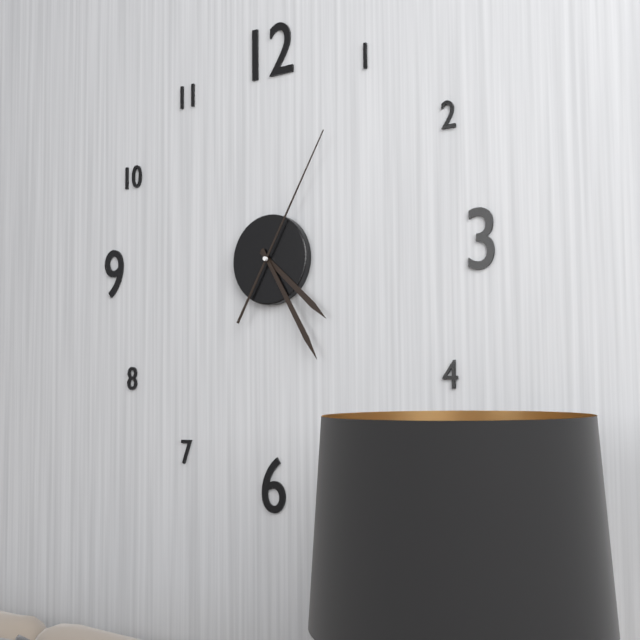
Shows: h=4 m=25 s=5
